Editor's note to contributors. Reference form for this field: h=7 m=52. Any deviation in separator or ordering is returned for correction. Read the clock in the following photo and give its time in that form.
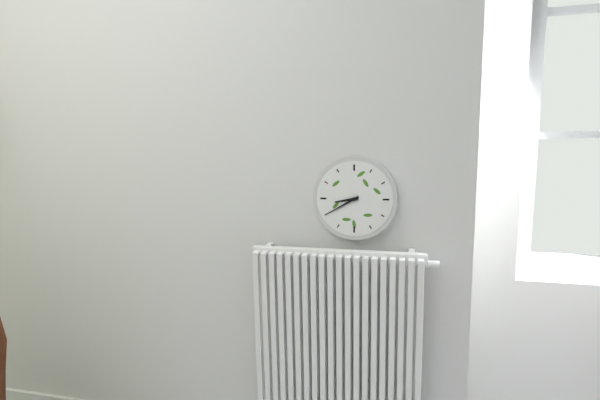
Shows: h=8 m=40
